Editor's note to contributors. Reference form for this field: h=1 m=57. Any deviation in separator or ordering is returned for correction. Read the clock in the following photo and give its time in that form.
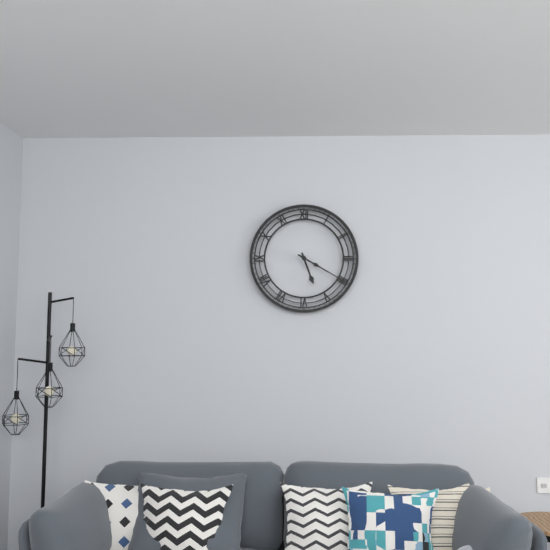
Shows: h=5 m=20
